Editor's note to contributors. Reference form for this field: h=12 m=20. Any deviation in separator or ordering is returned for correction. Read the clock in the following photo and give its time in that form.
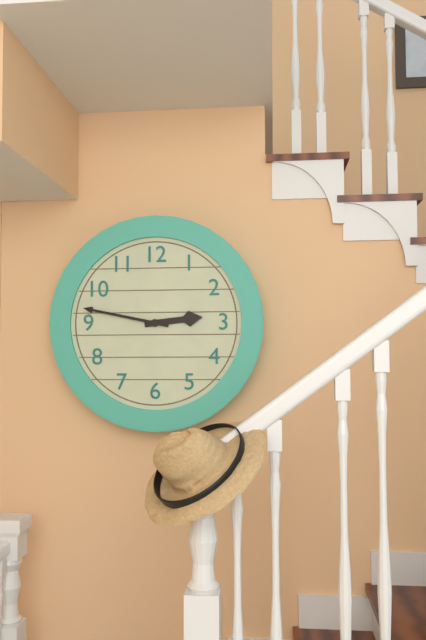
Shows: h=2 m=47
